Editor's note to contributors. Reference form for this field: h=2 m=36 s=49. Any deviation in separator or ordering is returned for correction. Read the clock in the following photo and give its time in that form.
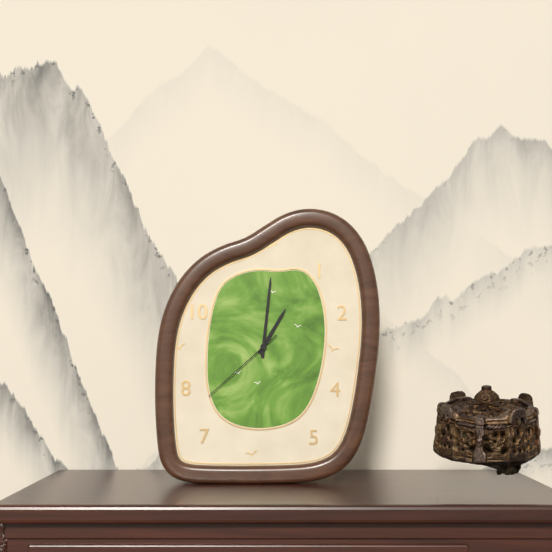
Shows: h=1 m=1 s=38
